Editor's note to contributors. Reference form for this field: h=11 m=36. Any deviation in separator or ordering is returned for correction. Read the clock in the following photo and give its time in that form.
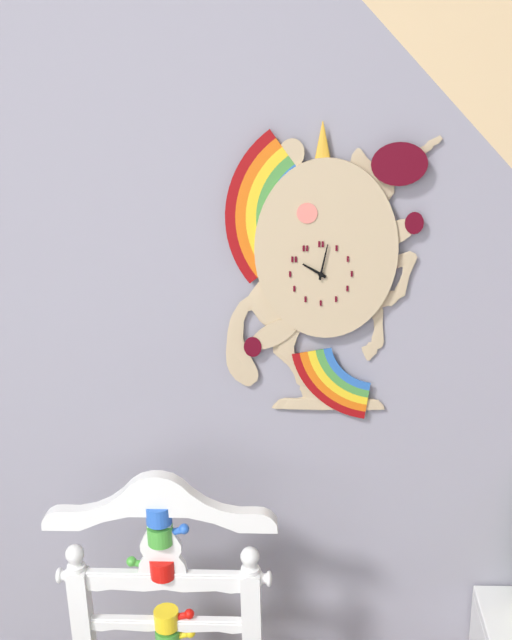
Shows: h=10 m=2
